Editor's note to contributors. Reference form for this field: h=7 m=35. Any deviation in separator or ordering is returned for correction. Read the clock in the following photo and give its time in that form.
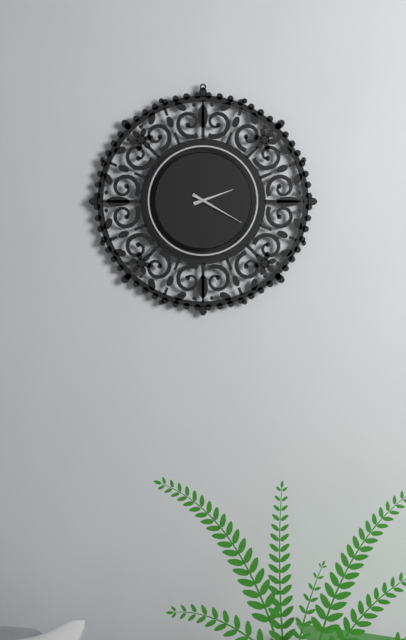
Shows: h=2 m=20
